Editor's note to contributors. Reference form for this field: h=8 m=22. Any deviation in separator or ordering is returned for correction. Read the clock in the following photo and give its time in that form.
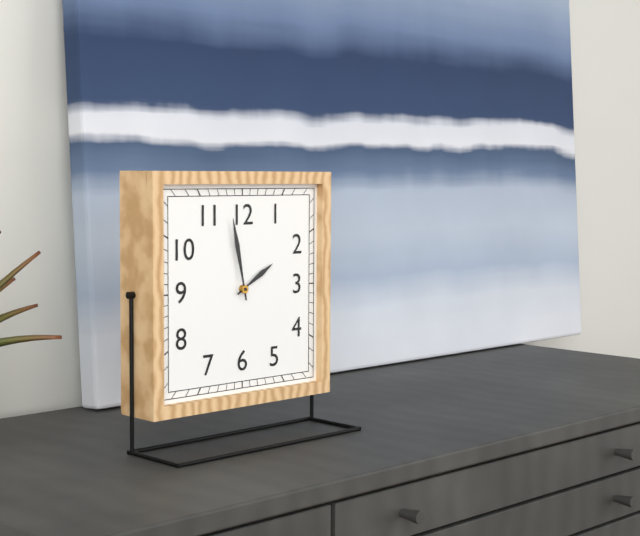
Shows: h=1 m=58
